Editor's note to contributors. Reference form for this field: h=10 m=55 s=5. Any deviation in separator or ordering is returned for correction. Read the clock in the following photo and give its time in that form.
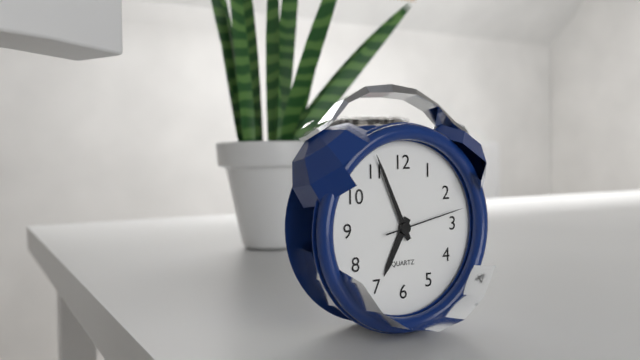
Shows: h=6 m=56 s=13
